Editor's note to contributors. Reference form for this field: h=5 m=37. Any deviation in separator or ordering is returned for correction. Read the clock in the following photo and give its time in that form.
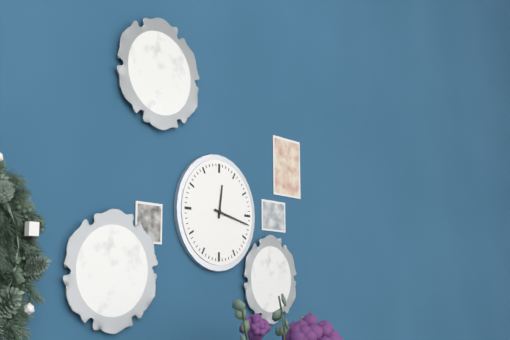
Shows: h=12 m=17
